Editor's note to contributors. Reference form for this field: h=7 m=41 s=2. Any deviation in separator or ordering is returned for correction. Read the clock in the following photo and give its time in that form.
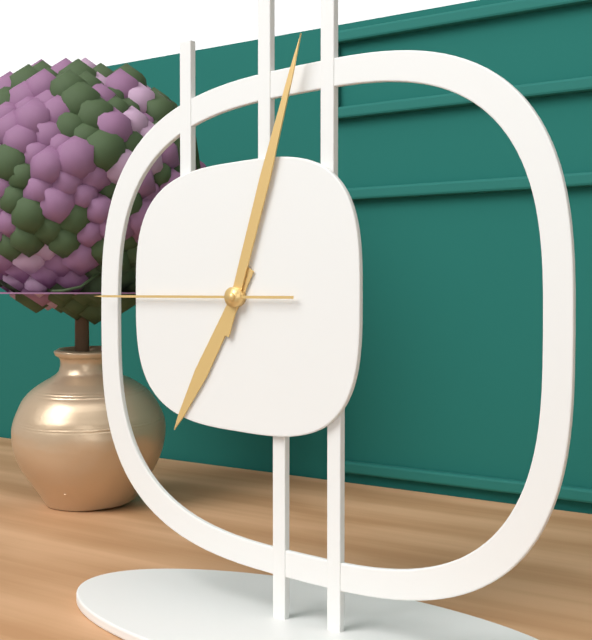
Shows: h=7 m=3 s=45
